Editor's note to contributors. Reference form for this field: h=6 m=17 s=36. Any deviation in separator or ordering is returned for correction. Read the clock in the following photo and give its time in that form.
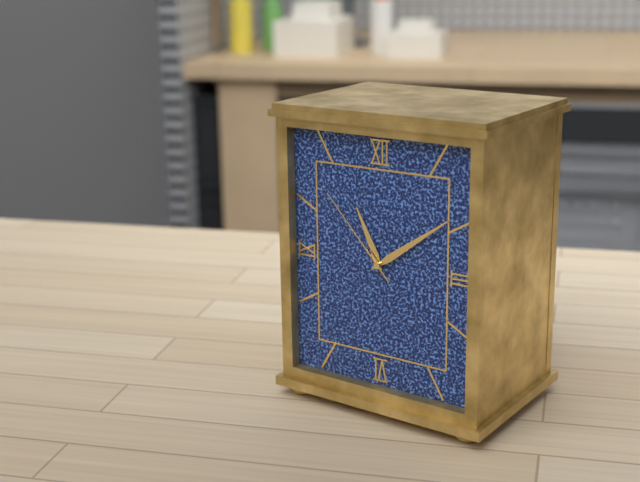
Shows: h=11 m=9 s=53
